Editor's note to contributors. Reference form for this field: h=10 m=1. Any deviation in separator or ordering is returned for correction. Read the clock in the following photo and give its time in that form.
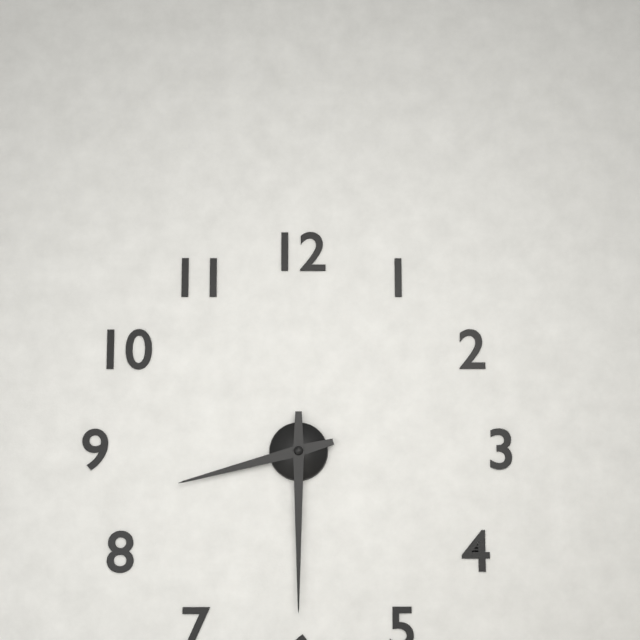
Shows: h=8 m=30
